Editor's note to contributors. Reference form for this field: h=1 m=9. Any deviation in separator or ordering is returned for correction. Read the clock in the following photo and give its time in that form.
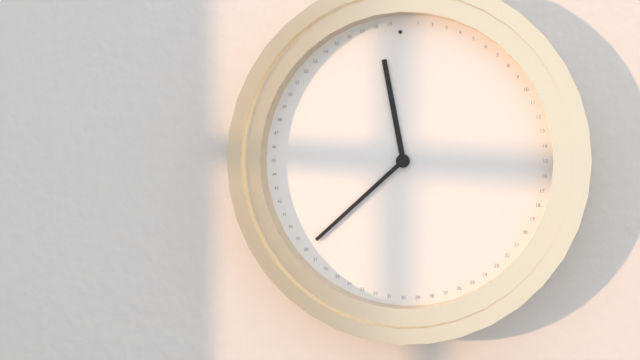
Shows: h=11 m=38
